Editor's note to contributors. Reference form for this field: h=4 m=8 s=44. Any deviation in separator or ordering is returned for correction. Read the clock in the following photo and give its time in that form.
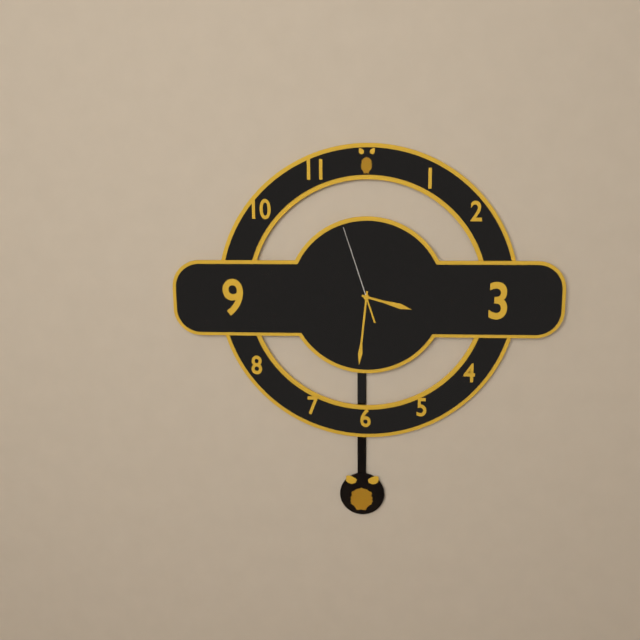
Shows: h=3 m=31 s=57
